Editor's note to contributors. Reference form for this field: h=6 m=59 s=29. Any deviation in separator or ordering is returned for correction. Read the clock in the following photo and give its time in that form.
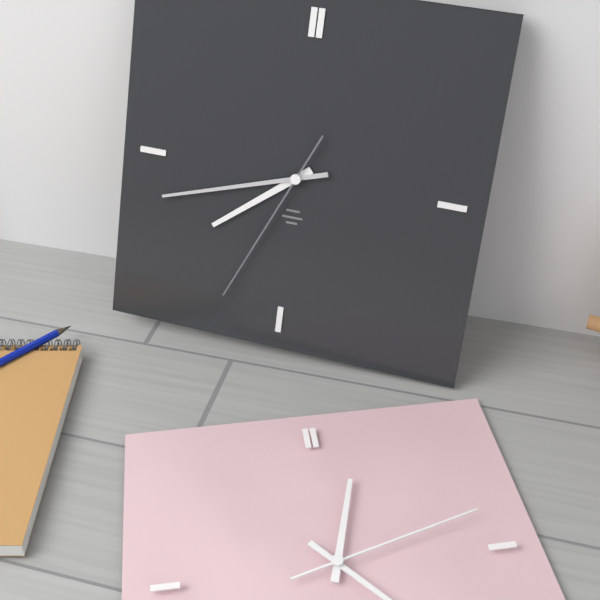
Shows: h=7 m=42 s=34
